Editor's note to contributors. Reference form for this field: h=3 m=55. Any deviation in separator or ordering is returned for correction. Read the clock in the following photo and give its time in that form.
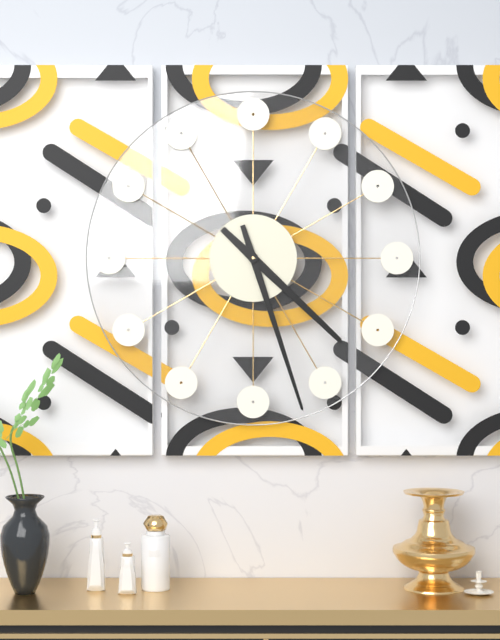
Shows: h=4 m=27
